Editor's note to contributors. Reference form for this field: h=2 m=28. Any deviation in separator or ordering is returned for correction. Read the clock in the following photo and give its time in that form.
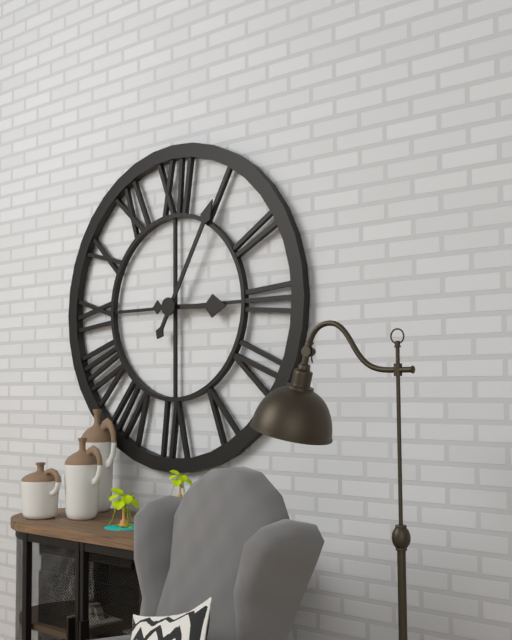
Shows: h=3 m=5
